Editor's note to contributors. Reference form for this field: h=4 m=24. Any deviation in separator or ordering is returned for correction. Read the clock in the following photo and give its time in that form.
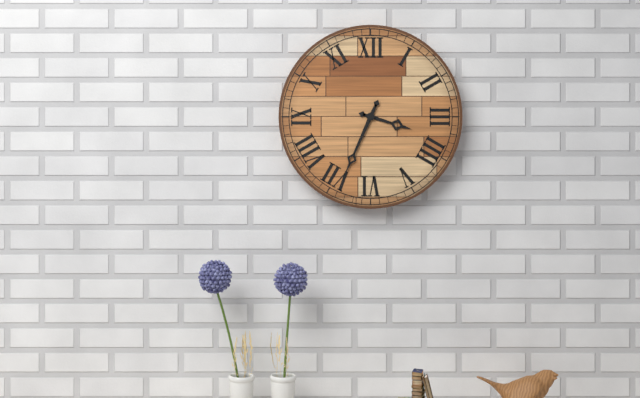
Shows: h=3 m=34
